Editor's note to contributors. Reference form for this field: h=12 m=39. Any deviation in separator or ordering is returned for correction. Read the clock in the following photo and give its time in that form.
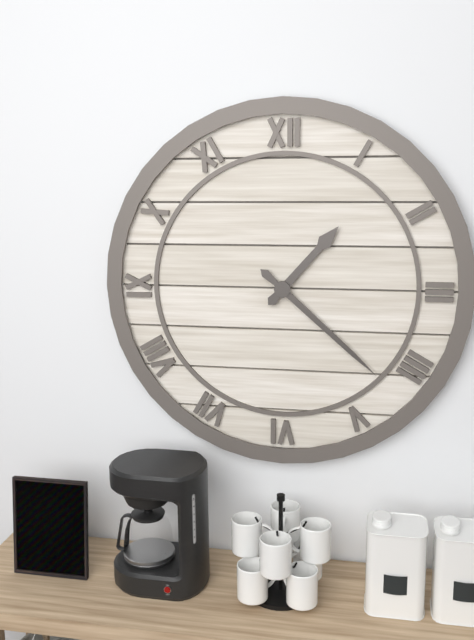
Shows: h=1 m=22
